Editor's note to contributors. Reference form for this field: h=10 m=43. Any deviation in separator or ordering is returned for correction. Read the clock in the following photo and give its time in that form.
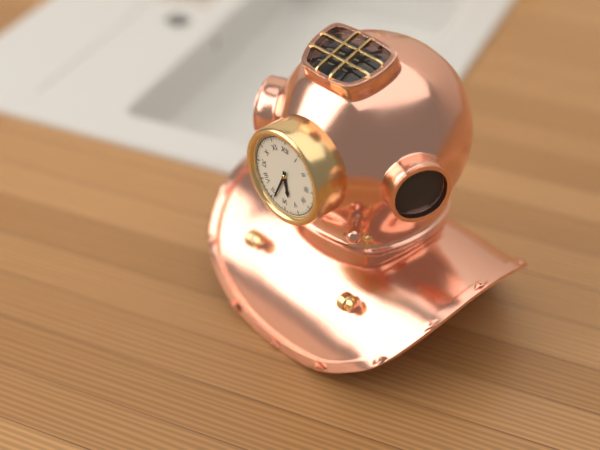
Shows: h=5 m=34
